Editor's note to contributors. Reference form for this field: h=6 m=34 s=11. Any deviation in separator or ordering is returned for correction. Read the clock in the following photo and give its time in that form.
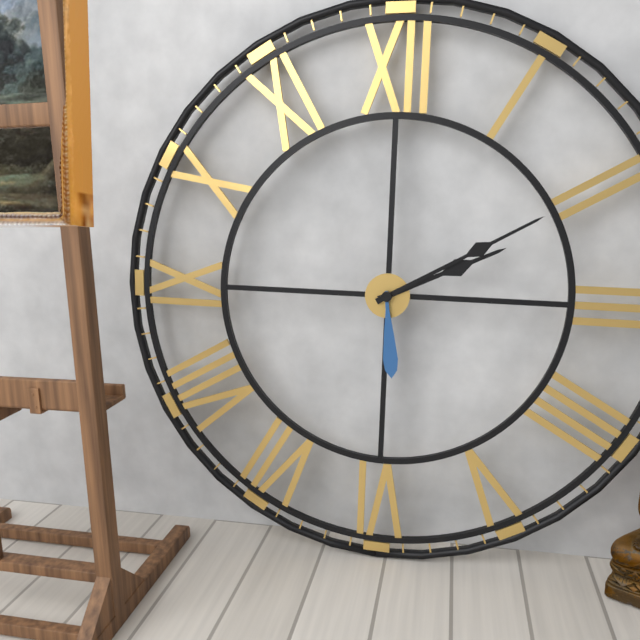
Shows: h=2 m=10 s=29
